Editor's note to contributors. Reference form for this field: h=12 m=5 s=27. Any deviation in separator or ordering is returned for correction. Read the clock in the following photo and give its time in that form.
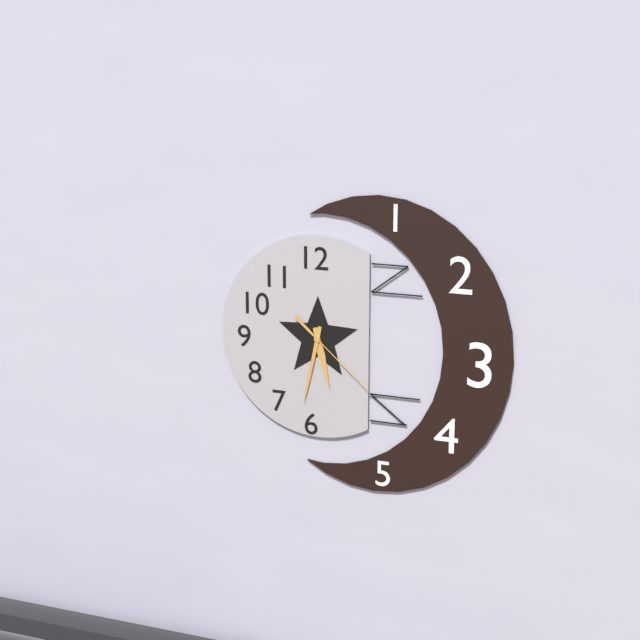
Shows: h=5 m=32 s=22
